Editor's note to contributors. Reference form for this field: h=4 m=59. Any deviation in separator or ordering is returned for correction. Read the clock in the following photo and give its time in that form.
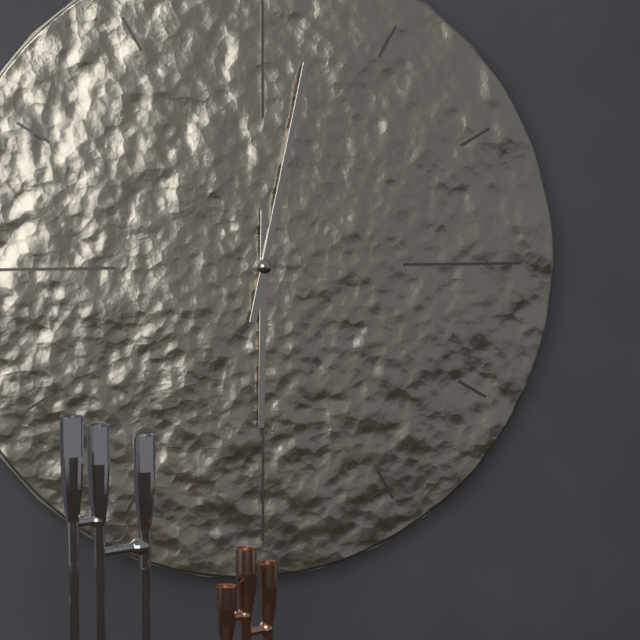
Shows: h=6 m=2
